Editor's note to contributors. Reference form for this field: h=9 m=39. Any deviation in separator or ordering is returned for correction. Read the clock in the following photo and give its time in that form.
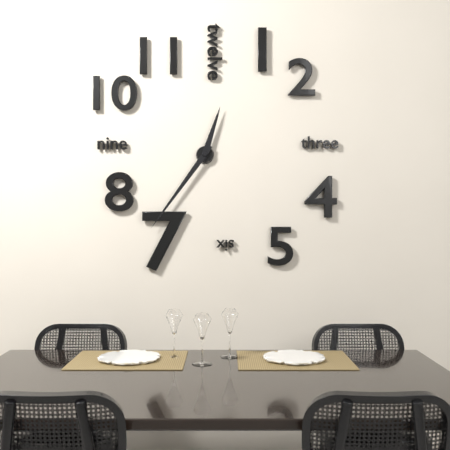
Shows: h=12 m=36
